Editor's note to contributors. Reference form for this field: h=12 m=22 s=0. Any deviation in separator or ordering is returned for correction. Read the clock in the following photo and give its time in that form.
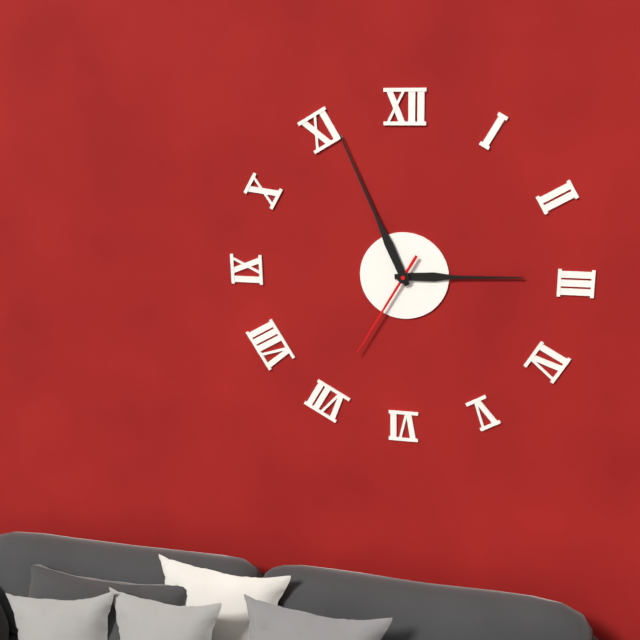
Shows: h=2 m=56 s=35
